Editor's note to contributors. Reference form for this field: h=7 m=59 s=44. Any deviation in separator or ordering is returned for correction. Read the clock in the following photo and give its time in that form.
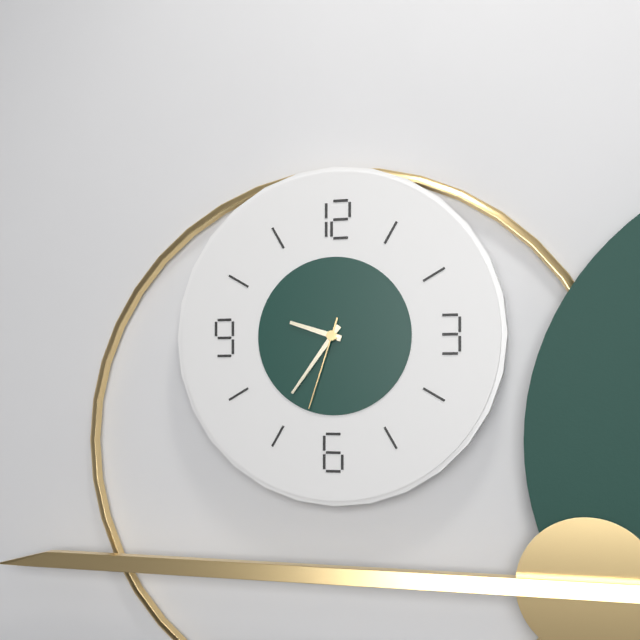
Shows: h=9 m=36 s=33
